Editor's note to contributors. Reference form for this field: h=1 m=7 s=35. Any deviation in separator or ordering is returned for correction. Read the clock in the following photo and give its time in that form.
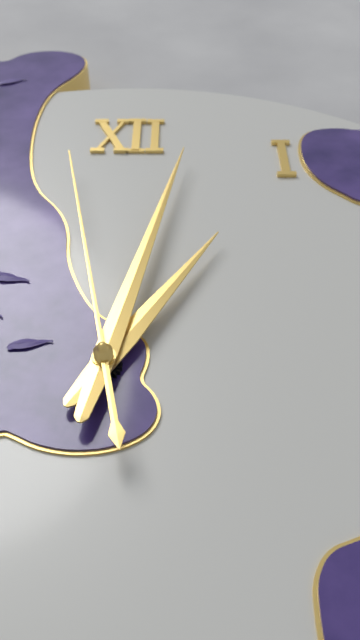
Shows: h=1 m=2 s=58
